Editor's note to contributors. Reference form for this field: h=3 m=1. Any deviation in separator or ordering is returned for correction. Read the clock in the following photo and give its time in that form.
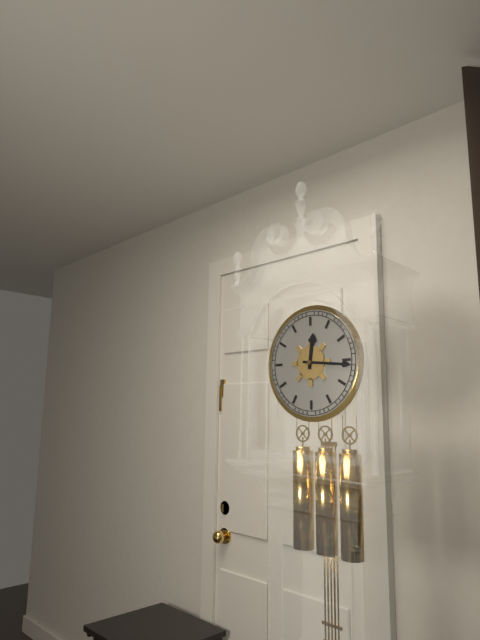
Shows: h=12 m=16
